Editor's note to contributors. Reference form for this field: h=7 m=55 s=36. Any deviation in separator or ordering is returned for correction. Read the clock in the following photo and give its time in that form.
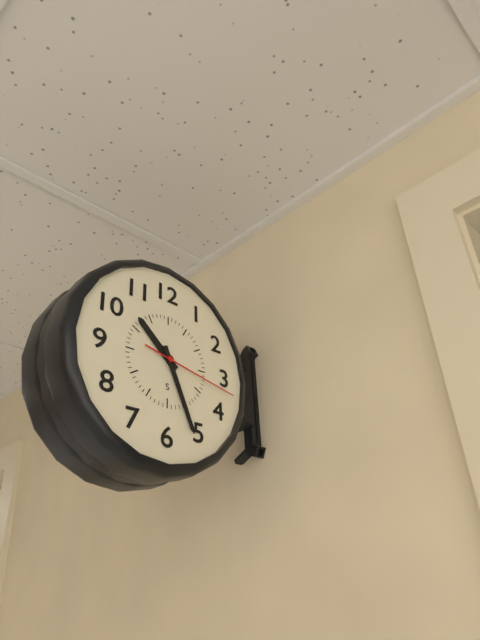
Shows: h=10 m=26 s=17
